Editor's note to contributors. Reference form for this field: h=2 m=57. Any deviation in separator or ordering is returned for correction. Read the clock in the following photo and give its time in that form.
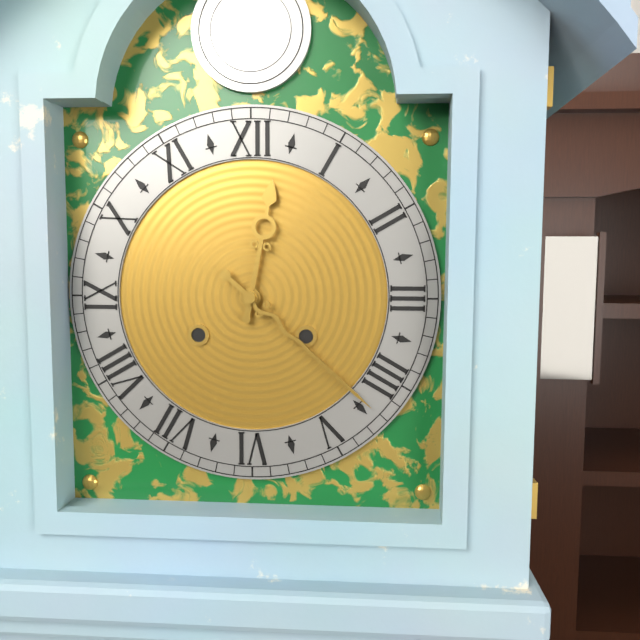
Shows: h=12 m=22
